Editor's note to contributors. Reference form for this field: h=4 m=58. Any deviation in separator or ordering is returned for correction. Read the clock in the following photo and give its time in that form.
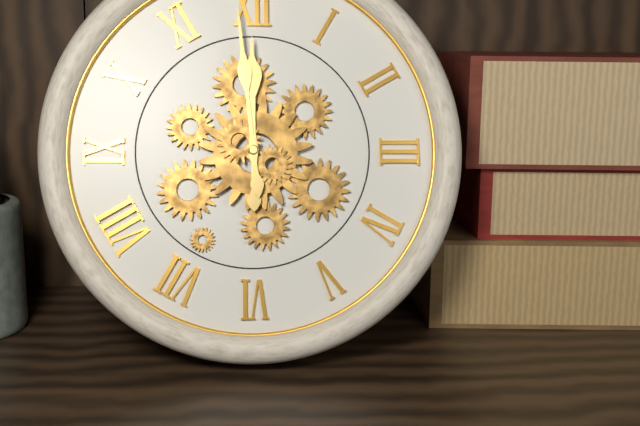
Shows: h=11 m=59
